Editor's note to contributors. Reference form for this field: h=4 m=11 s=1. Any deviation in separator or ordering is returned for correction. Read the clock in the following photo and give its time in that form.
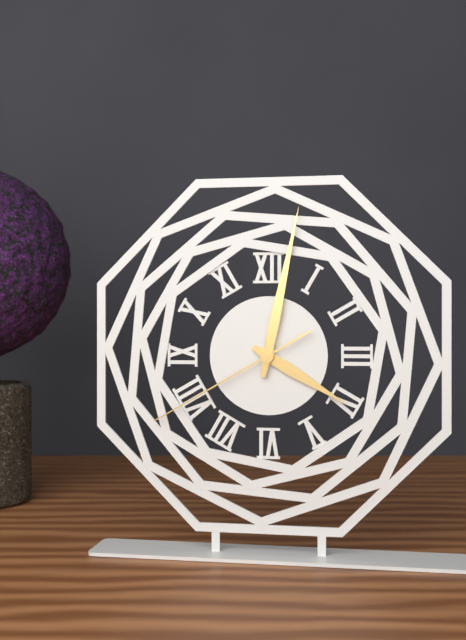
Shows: h=4 m=2 s=40
